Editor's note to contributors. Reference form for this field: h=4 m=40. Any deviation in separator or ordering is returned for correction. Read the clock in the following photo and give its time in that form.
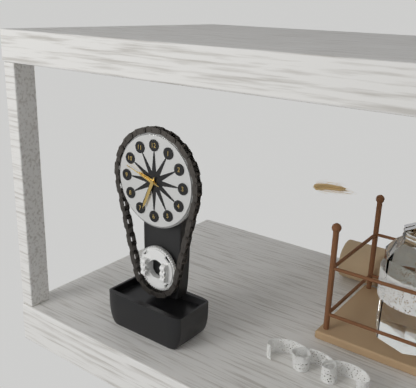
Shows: h=9 m=34
